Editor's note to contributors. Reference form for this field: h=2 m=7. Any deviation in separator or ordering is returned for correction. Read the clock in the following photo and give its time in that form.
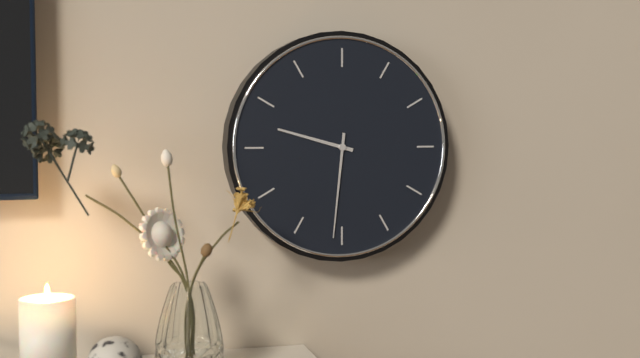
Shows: h=9 m=31
